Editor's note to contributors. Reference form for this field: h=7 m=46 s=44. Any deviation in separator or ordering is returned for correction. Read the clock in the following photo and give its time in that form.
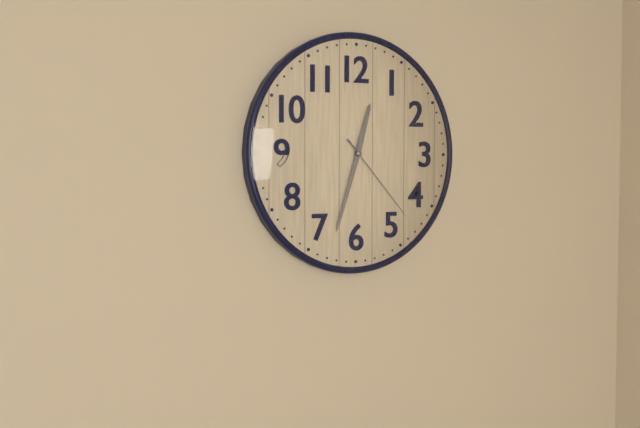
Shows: h=12 m=33 s=23
